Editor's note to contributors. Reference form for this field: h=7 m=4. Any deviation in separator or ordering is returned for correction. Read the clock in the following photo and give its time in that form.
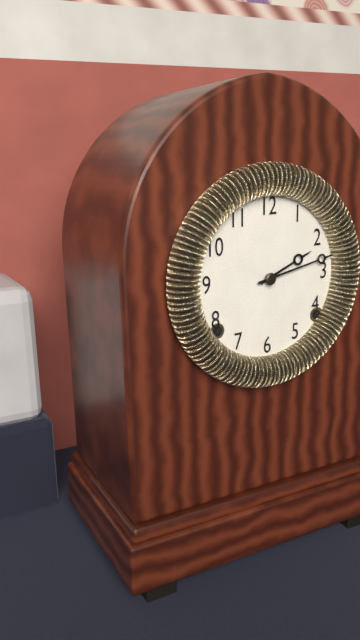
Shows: h=2 m=13
